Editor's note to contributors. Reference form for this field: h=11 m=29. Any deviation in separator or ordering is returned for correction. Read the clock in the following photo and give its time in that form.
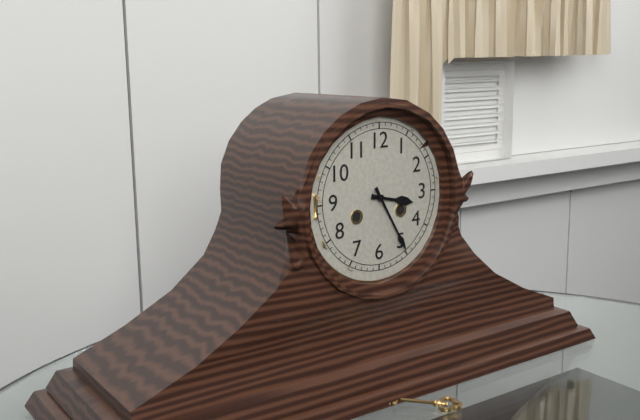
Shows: h=3 m=25
